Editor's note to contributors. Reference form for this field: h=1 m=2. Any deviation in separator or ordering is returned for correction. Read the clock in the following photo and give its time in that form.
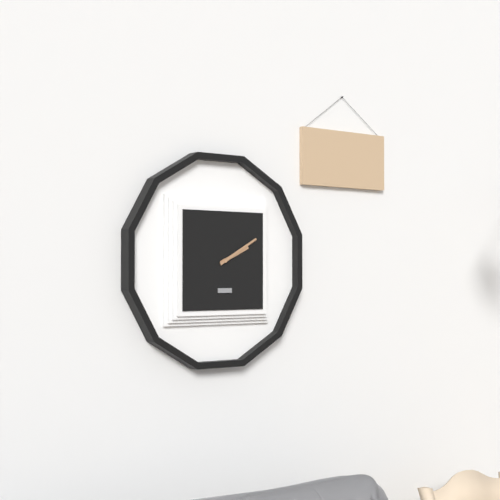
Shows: h=2 m=10
